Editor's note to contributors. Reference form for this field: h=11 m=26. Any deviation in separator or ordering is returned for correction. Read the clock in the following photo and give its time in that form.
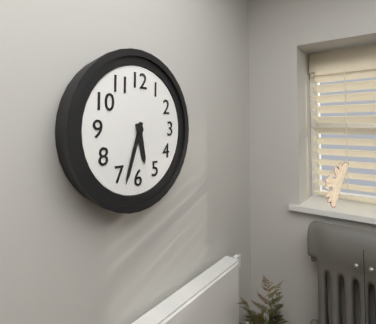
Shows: h=5 m=33
